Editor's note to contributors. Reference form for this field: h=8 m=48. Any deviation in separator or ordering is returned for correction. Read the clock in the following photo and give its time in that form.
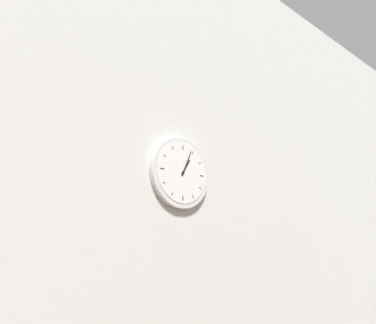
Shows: h=1 m=4
